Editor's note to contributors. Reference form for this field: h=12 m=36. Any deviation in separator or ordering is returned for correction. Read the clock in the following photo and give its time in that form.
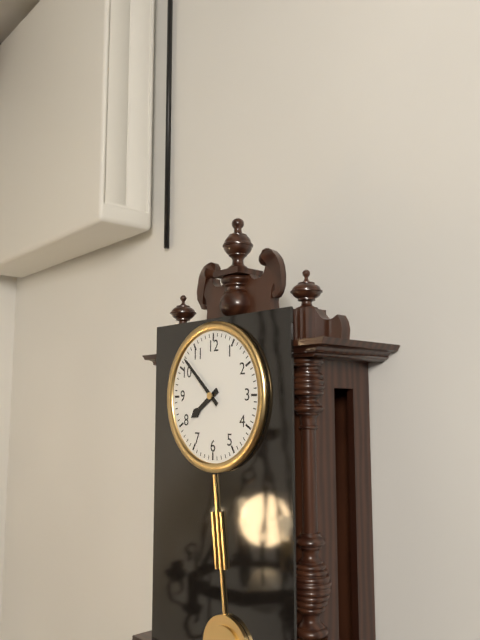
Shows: h=7 m=52
